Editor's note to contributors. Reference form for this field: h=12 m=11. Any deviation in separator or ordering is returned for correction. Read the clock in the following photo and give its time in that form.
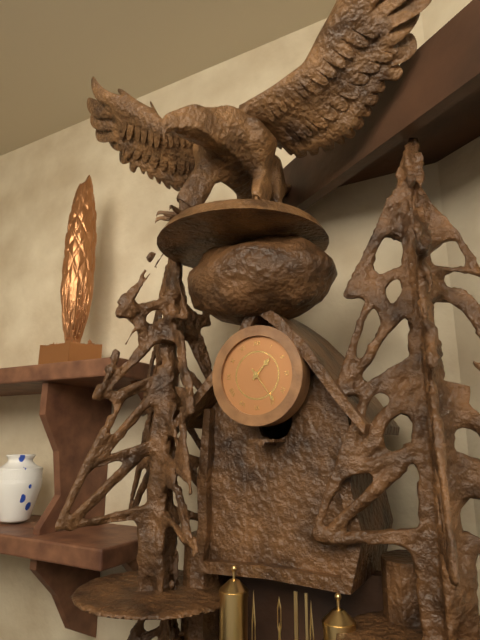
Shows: h=1 m=24
